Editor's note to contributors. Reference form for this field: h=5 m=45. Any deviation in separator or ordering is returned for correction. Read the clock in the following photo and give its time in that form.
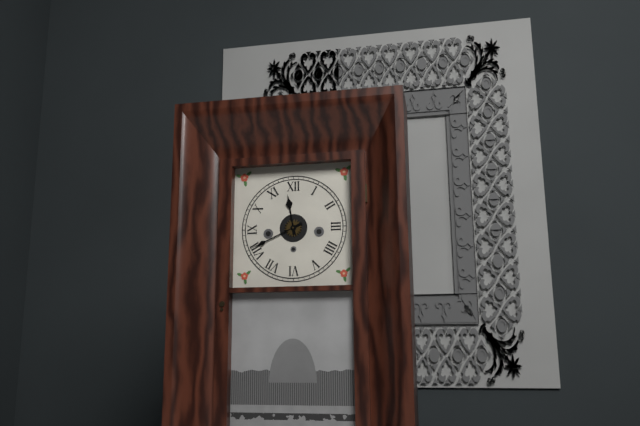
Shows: h=11 m=41
